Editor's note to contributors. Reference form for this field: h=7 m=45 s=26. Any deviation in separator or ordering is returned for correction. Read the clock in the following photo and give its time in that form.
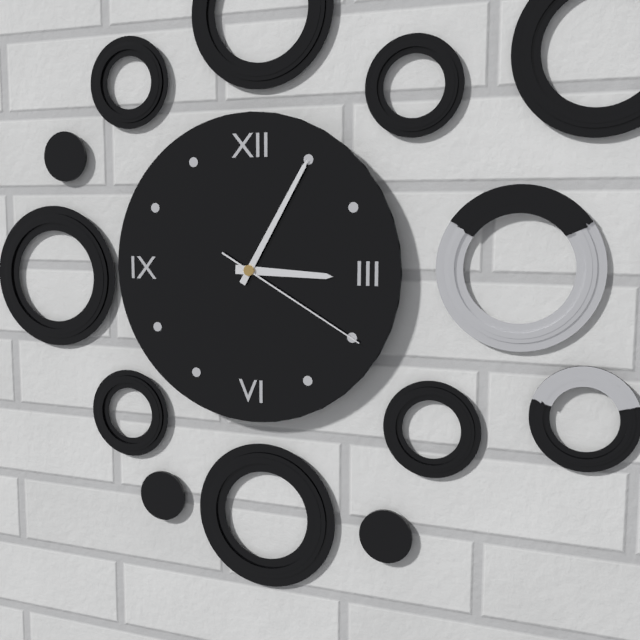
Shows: h=3 m=5 s=20
